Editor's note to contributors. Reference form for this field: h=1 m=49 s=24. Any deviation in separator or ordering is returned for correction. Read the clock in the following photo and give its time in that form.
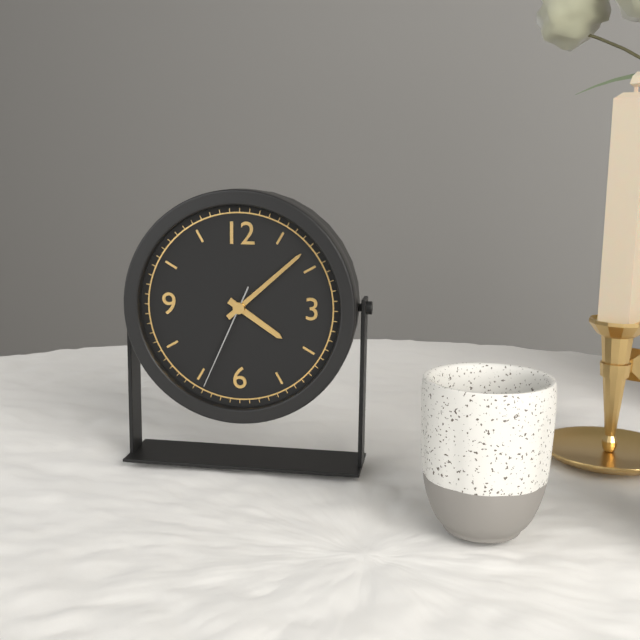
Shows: h=4 m=8 s=34
